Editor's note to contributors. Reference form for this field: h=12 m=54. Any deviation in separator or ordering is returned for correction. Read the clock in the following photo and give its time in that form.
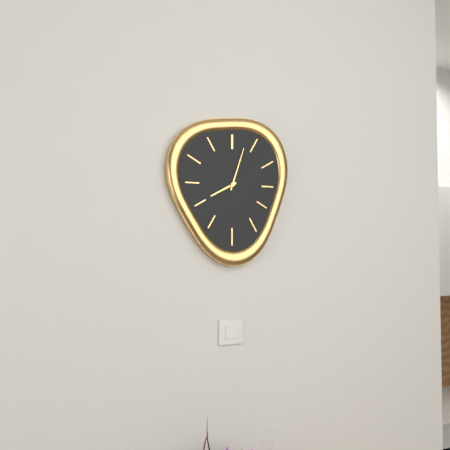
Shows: h=8 m=3
